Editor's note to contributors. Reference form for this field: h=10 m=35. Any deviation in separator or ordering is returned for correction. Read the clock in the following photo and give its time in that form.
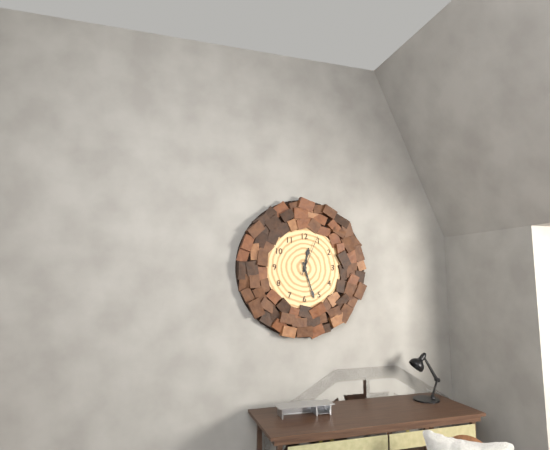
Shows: h=12 m=27
